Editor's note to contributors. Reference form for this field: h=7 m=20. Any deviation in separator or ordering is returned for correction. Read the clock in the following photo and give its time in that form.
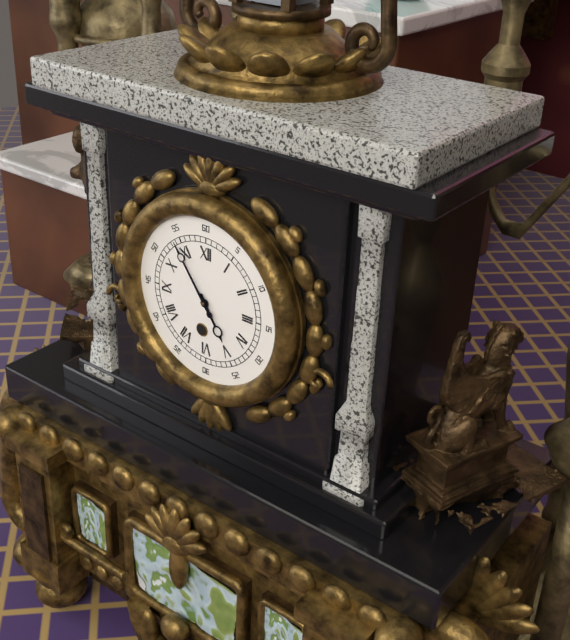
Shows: h=4 m=54
